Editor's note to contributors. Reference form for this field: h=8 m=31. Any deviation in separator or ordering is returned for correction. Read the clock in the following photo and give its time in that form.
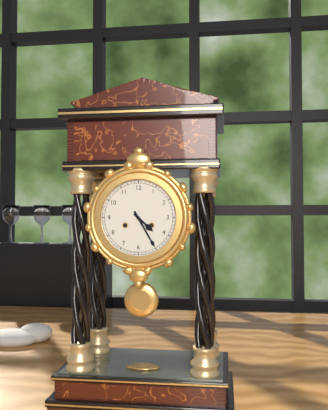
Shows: h=4 m=25
